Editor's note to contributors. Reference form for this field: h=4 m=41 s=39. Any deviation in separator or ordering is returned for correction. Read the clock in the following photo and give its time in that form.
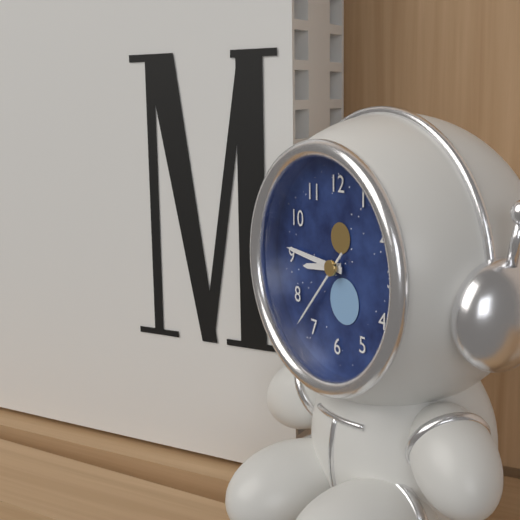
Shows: h=8 m=46 s=37
